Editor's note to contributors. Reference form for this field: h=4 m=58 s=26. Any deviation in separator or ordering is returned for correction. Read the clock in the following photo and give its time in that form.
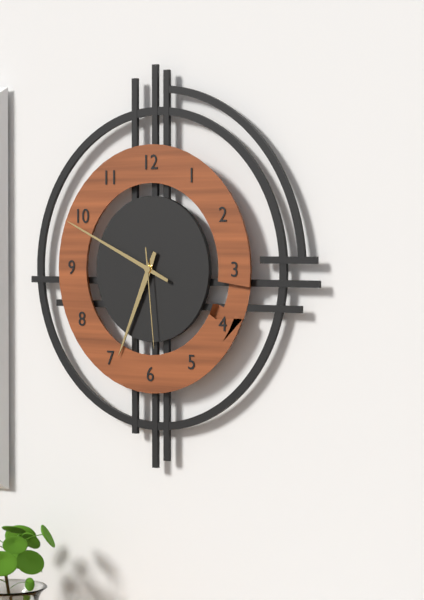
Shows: h=6 m=49 s=29
